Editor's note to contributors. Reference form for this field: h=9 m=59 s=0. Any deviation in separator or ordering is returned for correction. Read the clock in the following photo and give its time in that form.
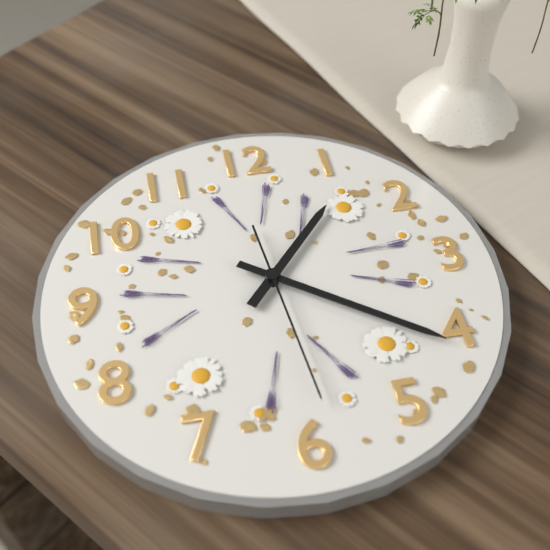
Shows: h=1 m=21 s=29
